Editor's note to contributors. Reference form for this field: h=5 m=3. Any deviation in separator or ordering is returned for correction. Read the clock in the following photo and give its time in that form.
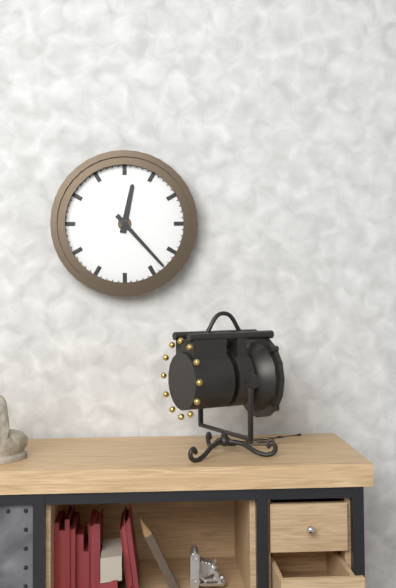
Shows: h=12 m=23
